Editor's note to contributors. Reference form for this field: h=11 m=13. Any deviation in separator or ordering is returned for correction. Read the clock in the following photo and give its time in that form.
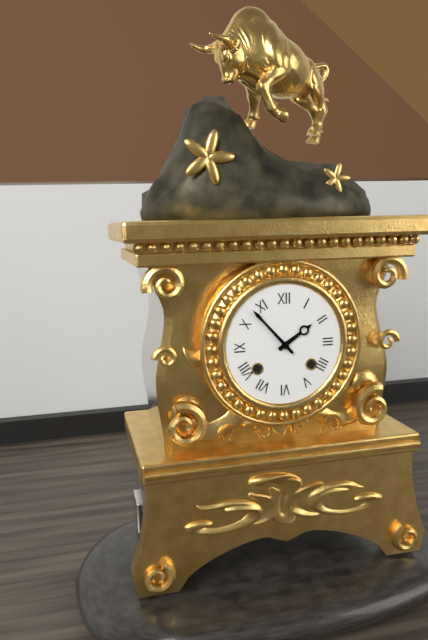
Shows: h=1 m=53
